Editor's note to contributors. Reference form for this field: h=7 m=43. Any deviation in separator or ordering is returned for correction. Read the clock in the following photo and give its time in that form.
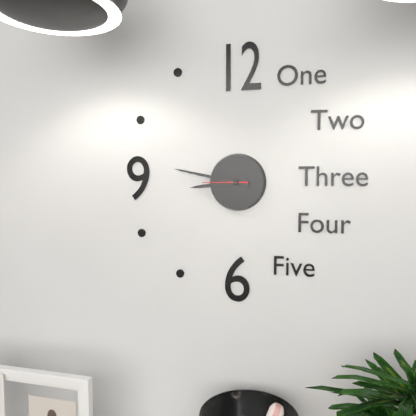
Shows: h=8 m=47
